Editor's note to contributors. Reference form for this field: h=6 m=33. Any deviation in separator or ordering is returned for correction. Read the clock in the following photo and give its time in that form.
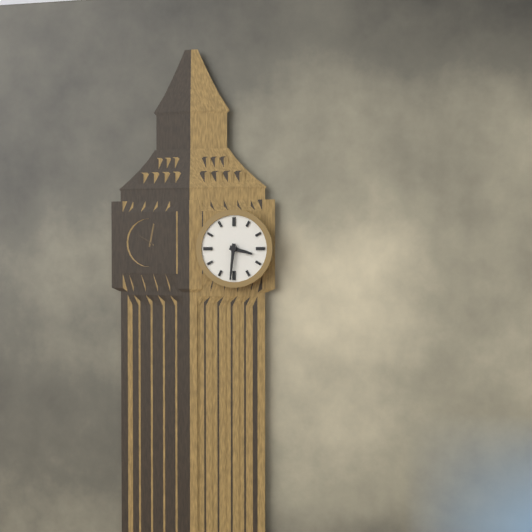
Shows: h=3 m=31
